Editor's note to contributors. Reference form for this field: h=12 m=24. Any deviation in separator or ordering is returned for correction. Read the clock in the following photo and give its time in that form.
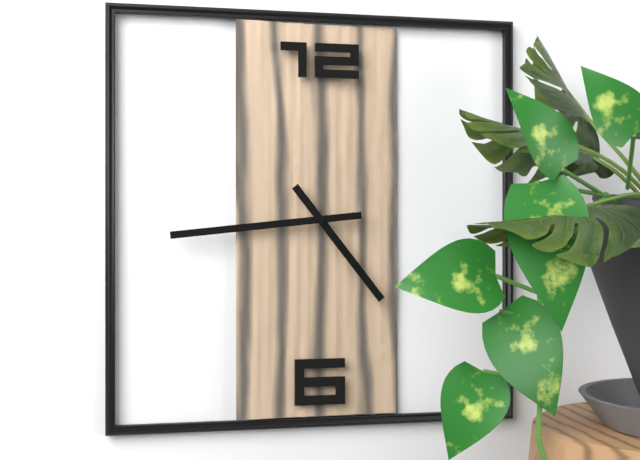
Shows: h=4 m=44
